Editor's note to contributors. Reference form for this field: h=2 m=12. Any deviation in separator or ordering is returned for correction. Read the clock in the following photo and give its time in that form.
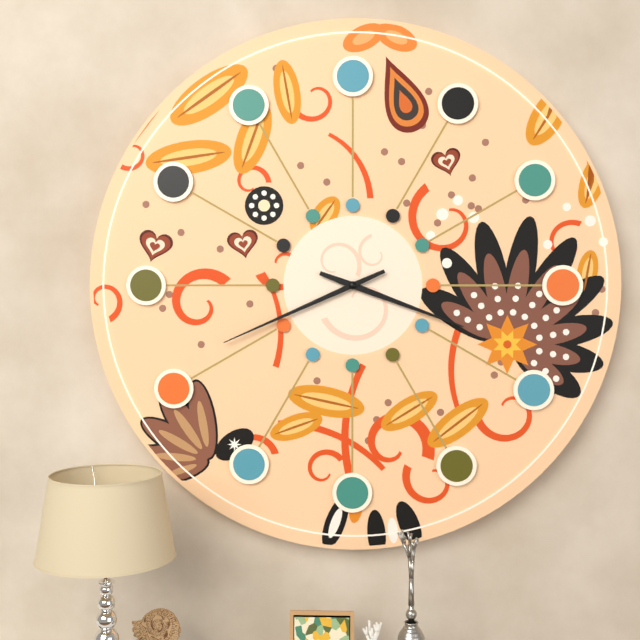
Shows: h=3 m=41
